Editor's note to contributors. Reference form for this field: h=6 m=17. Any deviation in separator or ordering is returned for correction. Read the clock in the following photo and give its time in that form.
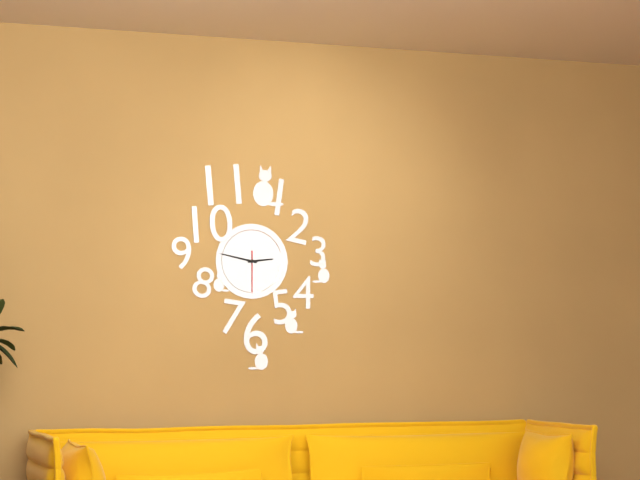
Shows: h=2 m=47
